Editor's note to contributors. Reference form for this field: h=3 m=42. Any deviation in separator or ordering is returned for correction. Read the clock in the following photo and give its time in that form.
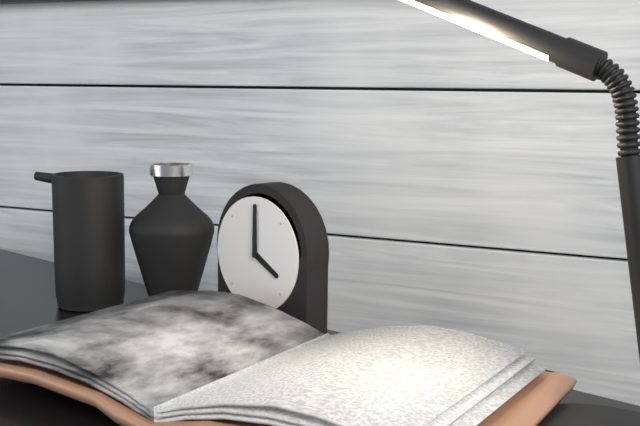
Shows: h=4 m=0
